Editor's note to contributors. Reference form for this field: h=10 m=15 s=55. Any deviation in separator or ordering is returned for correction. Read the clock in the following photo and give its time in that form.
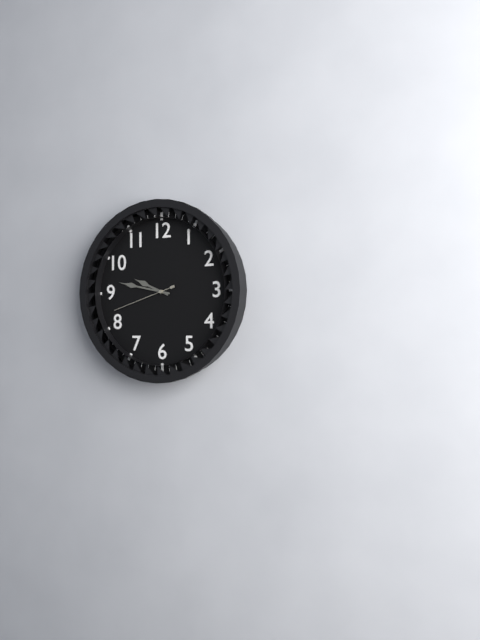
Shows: h=9 m=47 s=42
